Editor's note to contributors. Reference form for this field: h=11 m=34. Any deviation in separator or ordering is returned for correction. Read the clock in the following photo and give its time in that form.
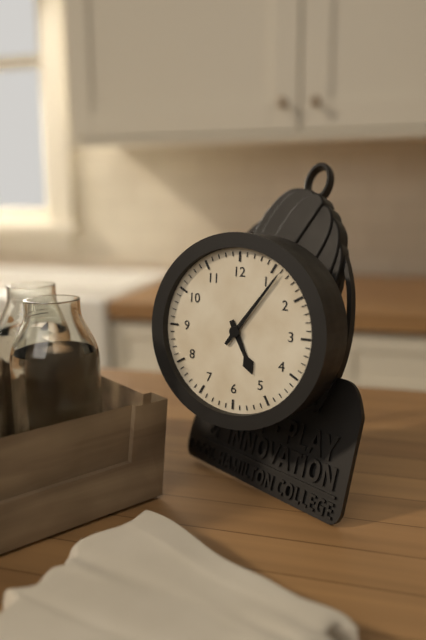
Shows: h=5 m=6
